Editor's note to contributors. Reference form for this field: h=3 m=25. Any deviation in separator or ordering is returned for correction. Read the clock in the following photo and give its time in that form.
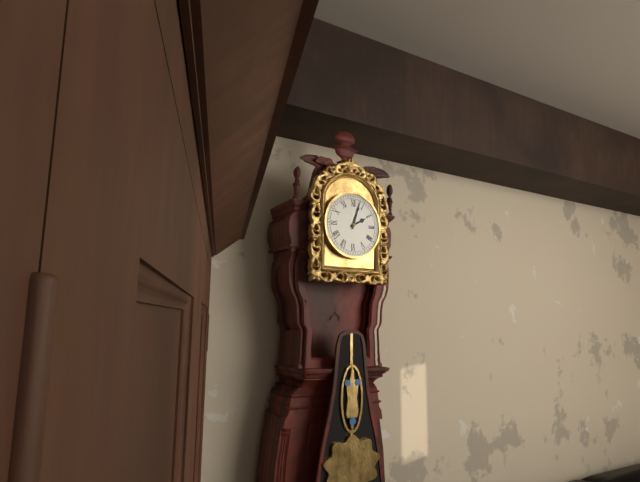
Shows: h=2 m=3
